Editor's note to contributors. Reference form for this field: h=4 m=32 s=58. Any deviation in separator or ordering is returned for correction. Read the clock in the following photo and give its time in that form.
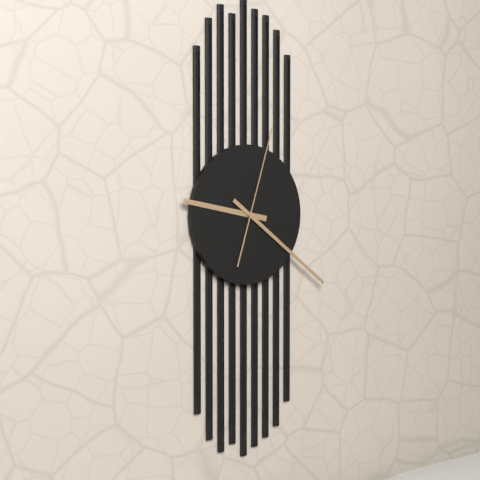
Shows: h=9 m=21 s=3
